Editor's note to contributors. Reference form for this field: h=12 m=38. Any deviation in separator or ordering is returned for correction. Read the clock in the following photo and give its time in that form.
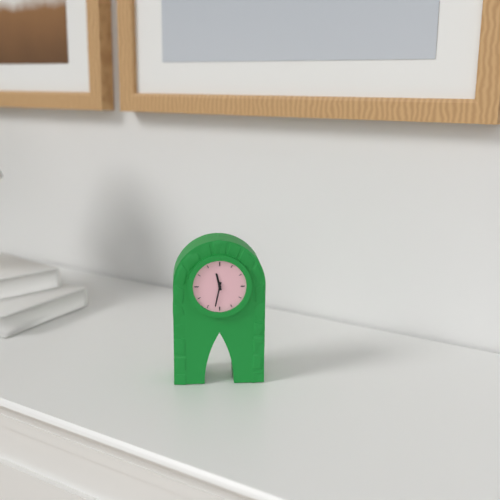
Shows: h=11 m=32
